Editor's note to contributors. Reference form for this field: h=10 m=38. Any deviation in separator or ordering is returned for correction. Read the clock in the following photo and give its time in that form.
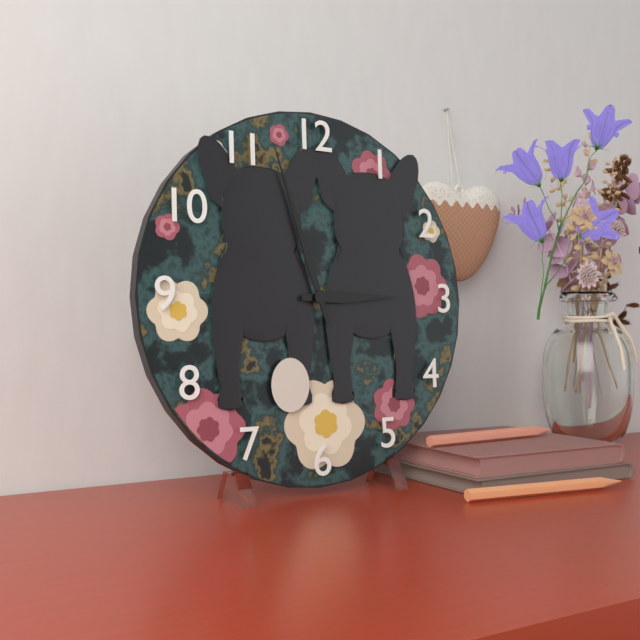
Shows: h=2 m=57
